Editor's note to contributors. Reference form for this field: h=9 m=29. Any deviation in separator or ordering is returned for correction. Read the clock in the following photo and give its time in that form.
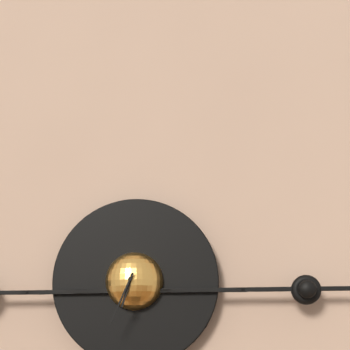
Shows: h=6 m=34
